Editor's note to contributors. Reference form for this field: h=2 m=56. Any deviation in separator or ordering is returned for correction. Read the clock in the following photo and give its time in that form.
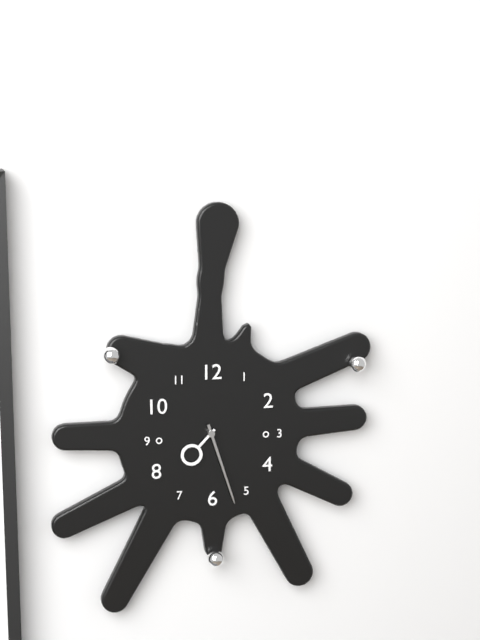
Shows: h=7 m=27
